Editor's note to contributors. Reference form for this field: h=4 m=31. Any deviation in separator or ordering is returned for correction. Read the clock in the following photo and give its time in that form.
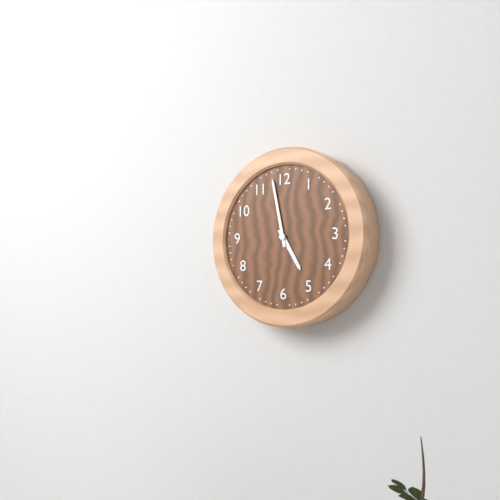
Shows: h=4 m=58
